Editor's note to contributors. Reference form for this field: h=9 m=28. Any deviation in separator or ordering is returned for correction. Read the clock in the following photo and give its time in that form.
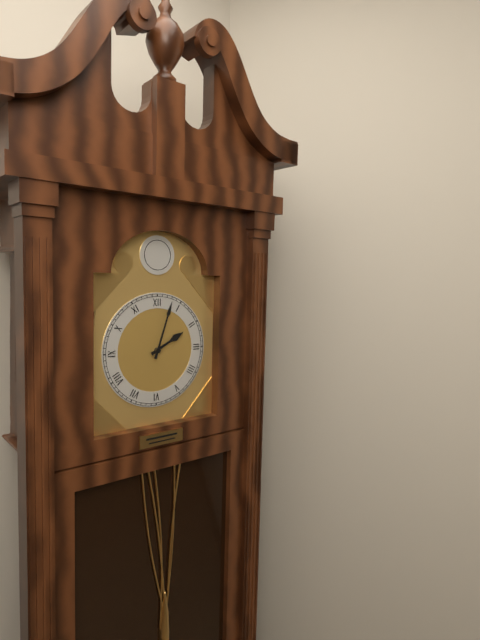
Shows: h=2 m=3
